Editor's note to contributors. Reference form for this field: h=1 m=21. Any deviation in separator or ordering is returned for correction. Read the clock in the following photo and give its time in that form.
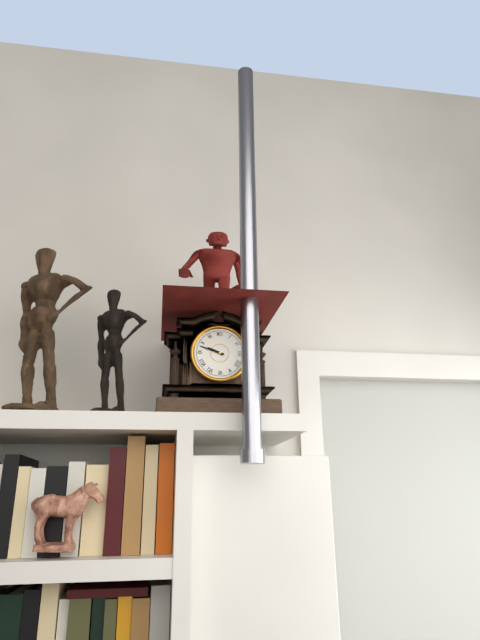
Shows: h=9 m=48
